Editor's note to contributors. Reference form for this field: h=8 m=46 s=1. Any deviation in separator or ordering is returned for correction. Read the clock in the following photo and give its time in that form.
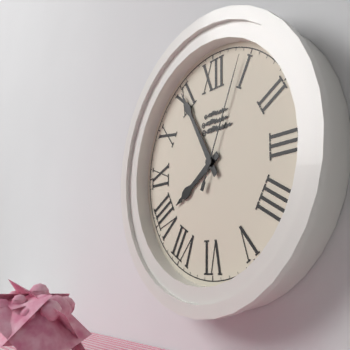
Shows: h=7 m=55 s=4
